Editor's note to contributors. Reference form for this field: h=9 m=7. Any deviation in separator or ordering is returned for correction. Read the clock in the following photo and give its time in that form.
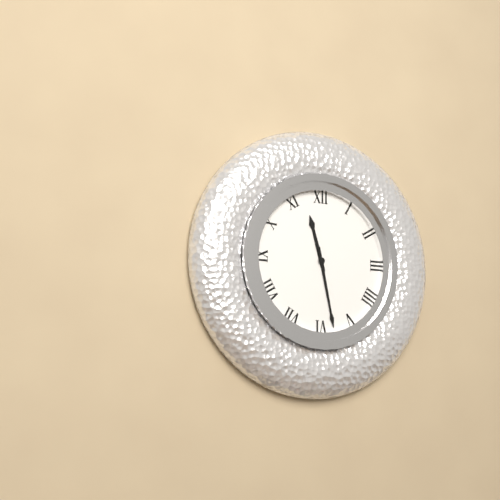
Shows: h=11 m=28
